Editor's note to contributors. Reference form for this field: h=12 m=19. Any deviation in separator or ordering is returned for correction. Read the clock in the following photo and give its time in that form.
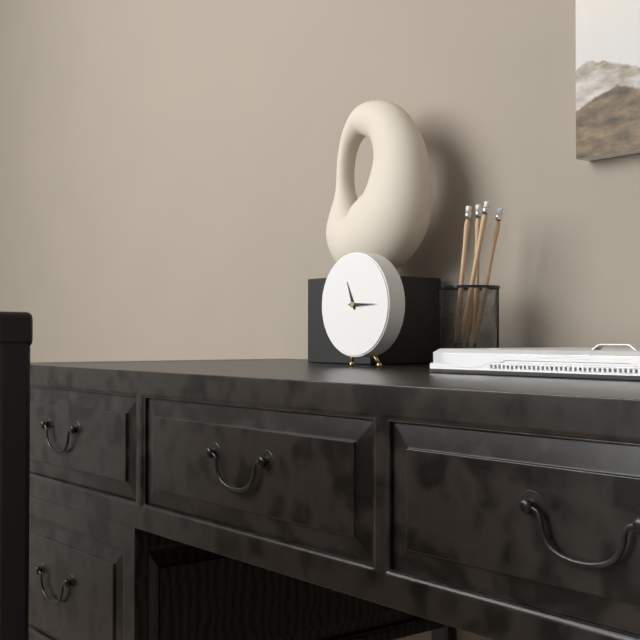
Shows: h=11 m=15
